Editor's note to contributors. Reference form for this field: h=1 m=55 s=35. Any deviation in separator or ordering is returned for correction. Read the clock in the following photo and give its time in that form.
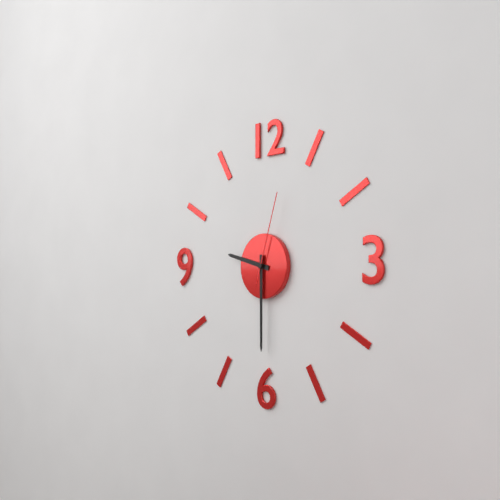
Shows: h=9 m=30 s=3
